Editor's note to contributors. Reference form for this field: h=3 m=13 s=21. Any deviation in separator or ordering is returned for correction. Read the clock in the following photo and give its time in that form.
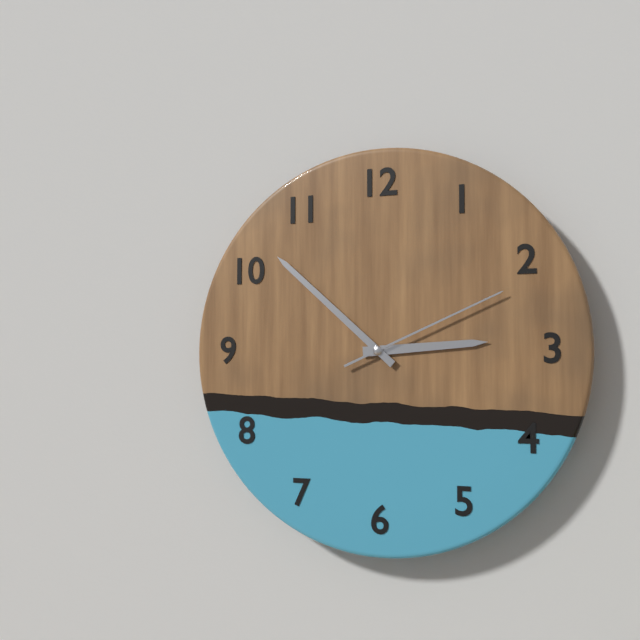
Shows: h=2 m=52 s=11
